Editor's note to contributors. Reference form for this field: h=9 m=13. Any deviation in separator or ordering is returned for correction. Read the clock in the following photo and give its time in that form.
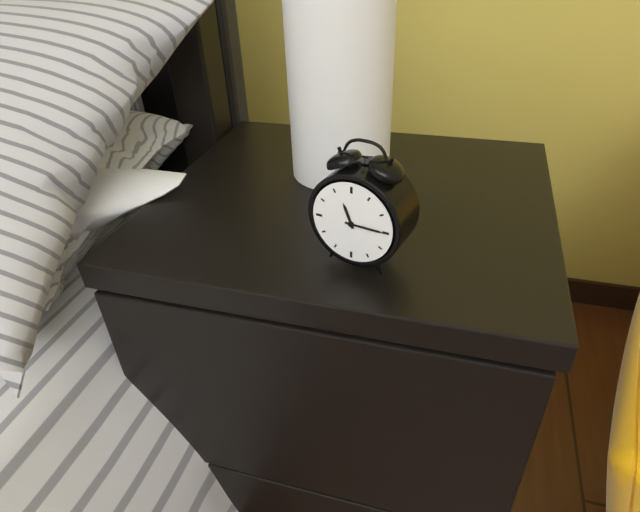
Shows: h=11 m=15
